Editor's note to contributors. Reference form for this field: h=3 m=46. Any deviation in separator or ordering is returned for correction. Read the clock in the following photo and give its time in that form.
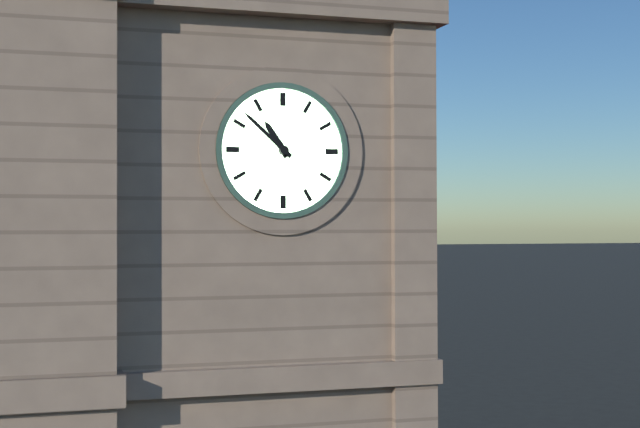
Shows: h=10 m=52
